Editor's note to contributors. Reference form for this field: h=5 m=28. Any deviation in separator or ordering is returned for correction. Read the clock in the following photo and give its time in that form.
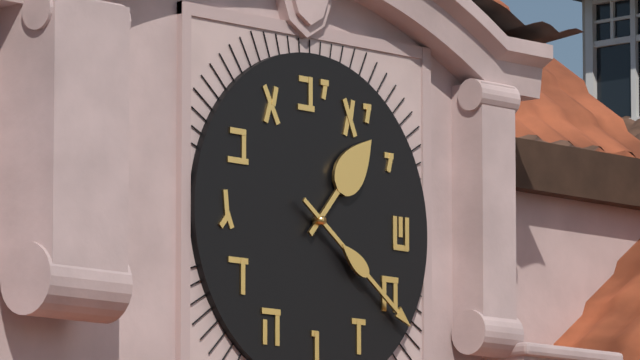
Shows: h=1 m=21
